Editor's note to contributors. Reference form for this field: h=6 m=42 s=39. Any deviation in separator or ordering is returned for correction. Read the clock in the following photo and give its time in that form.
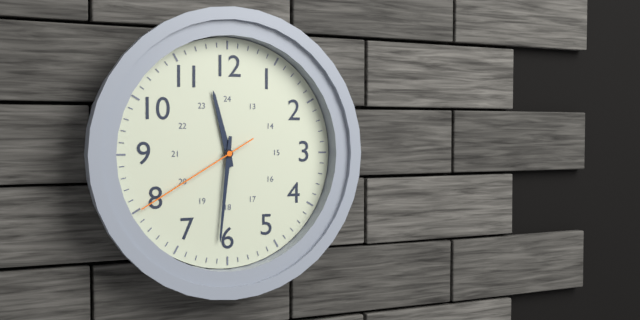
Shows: h=11 m=31 s=40
